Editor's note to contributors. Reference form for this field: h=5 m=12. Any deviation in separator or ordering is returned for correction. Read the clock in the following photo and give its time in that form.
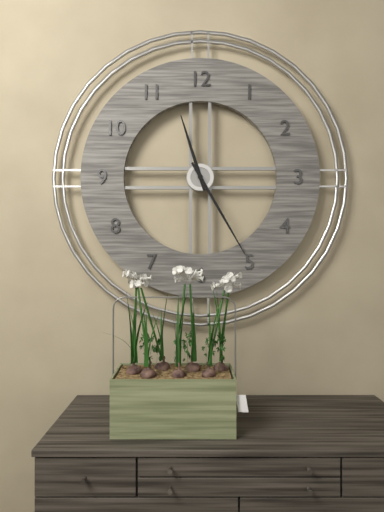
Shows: h=11 m=25
